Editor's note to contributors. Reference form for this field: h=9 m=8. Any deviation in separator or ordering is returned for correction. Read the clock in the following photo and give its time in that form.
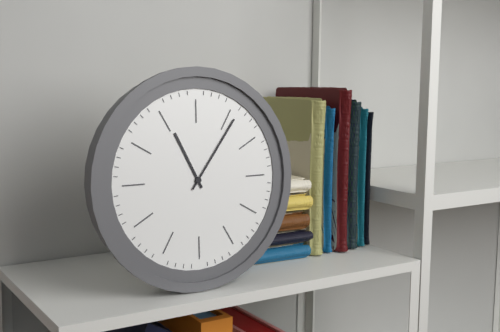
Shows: h=11 m=6
